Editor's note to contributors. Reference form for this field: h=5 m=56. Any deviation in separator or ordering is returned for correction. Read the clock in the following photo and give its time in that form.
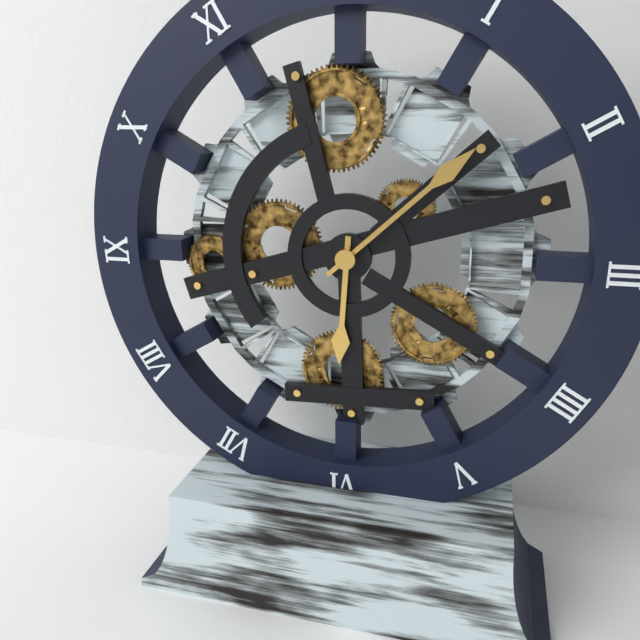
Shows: h=6 m=8
